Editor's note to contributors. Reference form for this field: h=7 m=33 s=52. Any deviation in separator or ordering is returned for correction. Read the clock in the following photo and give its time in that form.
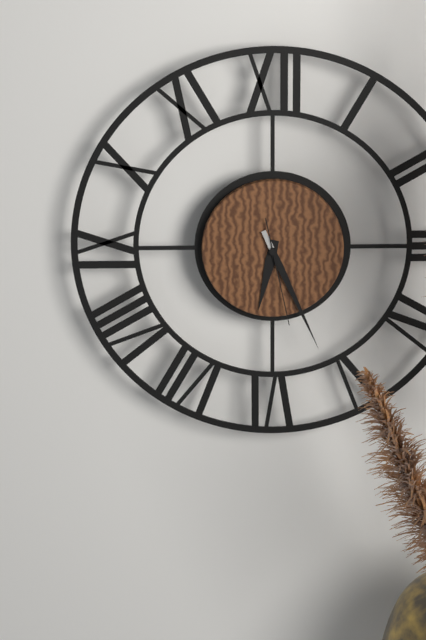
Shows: h=6 m=26 s=28
